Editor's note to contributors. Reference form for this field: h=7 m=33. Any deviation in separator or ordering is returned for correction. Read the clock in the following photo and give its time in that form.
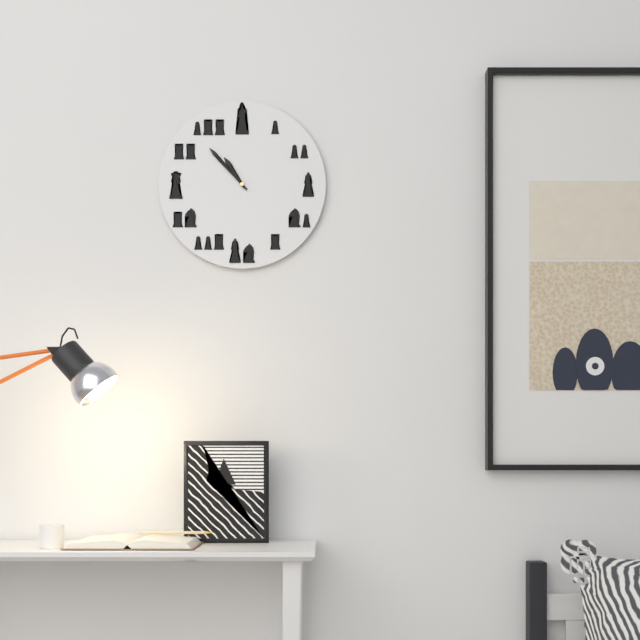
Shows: h=10 m=53
